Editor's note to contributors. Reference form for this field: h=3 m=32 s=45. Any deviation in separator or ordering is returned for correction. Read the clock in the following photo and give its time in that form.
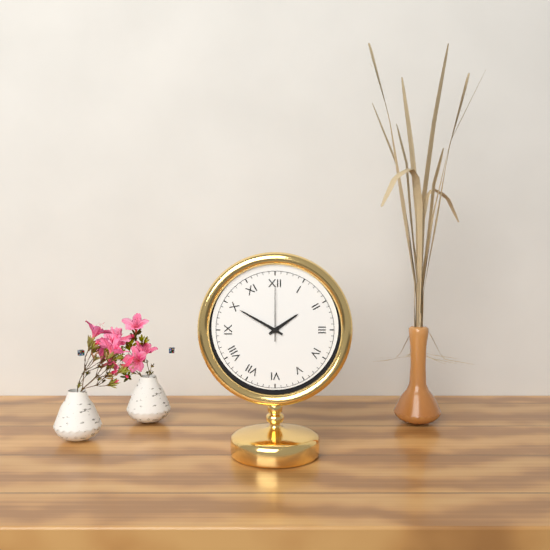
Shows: h=1 m=50 s=0
